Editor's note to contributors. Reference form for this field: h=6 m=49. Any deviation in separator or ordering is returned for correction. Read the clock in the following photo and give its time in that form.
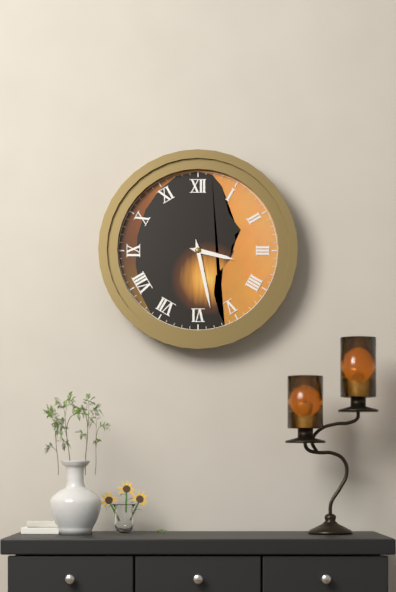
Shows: h=3 m=28
